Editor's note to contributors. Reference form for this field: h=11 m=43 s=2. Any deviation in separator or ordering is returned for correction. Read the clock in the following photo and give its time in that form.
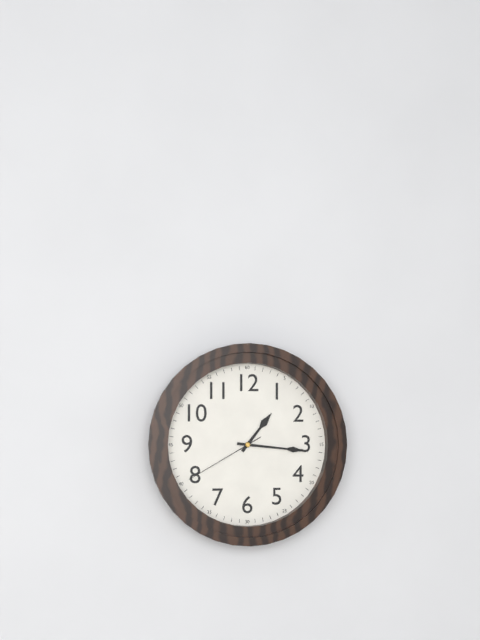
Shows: h=1 m=16 s=40
